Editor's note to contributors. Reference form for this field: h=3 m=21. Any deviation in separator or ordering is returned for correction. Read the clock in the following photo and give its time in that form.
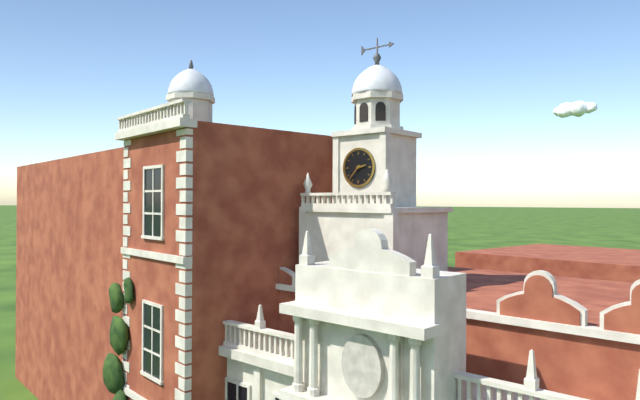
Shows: h=2 m=37
